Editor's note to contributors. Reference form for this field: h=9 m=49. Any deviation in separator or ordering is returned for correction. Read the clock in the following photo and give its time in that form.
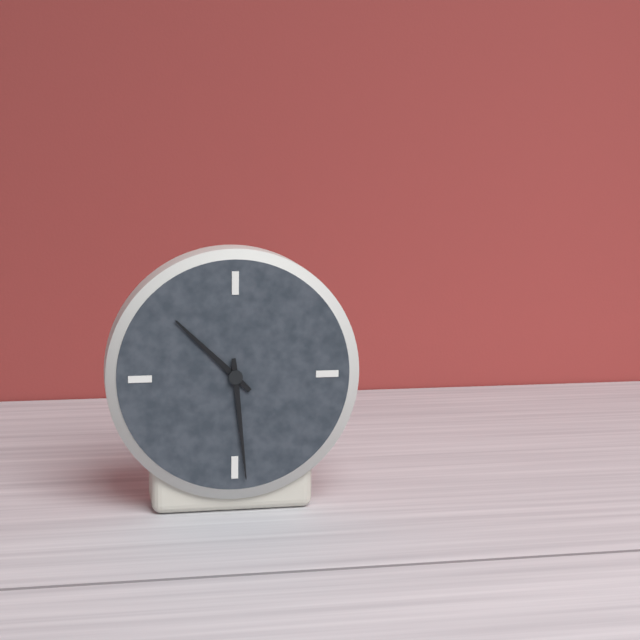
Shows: h=10 m=29
